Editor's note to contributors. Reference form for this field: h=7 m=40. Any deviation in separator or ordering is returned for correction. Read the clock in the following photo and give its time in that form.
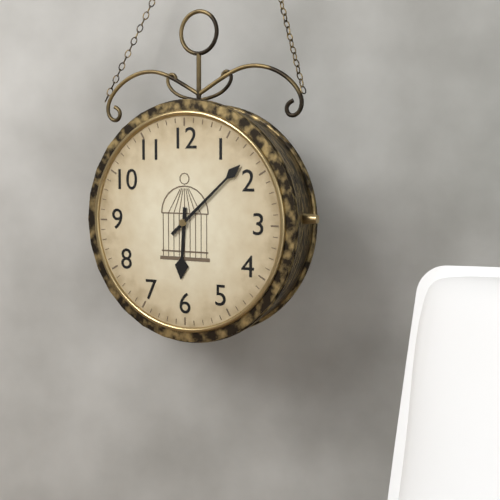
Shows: h=6 m=8
